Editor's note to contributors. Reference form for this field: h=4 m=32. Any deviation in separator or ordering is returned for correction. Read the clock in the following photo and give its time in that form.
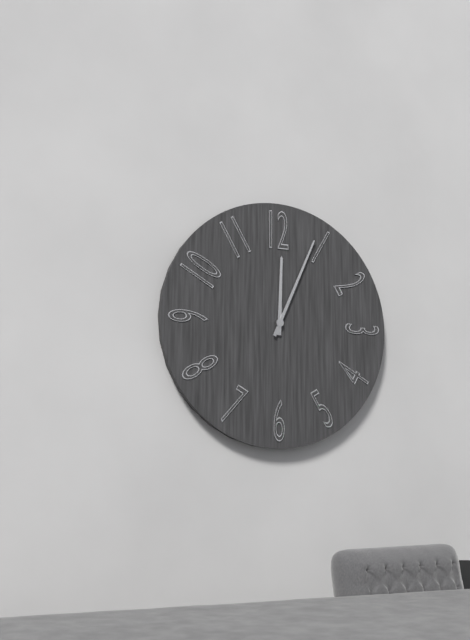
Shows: h=12 m=4
